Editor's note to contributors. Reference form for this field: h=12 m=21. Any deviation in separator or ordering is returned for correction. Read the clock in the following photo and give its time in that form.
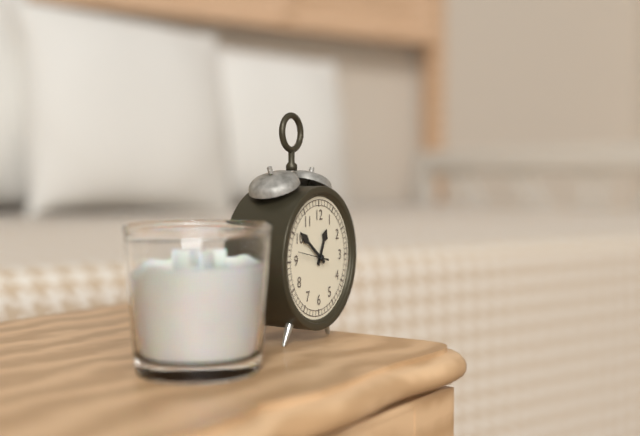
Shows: h=12 m=51
